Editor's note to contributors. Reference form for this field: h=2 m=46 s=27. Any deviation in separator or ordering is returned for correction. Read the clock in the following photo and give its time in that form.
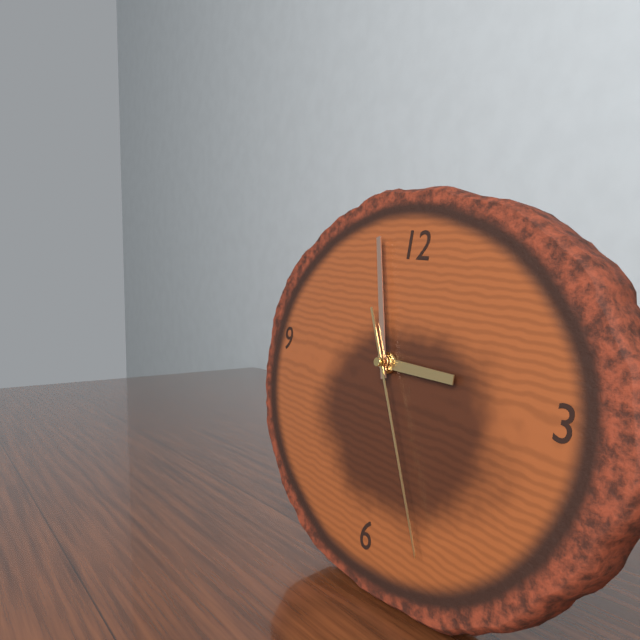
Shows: h=2 m=57 s=25
